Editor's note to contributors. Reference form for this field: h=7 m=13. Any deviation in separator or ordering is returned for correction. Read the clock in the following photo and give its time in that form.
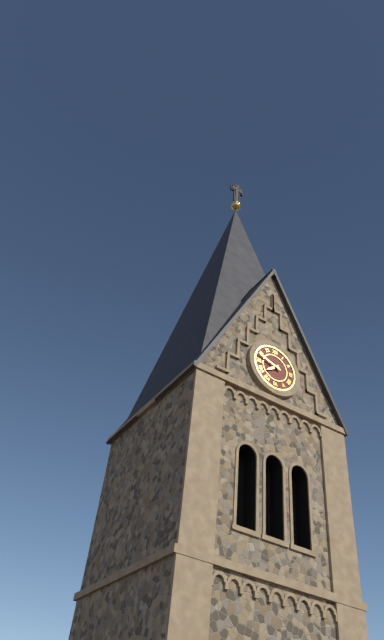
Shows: h=7 m=48
